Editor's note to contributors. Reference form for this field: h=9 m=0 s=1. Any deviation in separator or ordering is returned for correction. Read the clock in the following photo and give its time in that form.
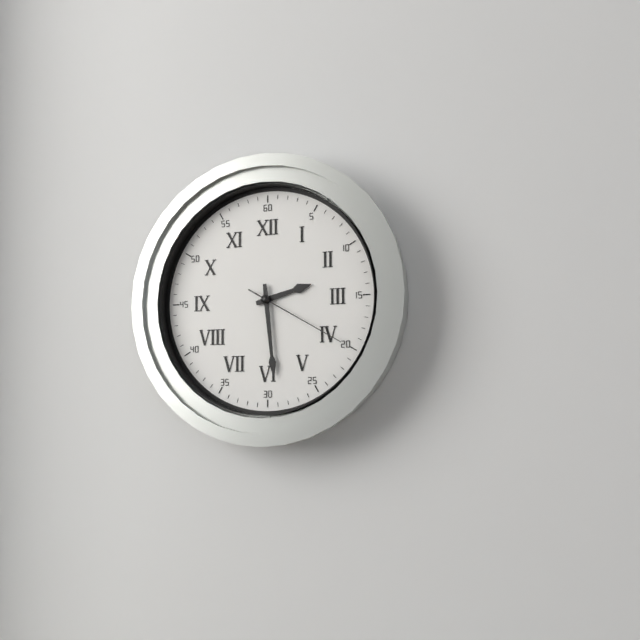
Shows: h=2 m=29 s=20
